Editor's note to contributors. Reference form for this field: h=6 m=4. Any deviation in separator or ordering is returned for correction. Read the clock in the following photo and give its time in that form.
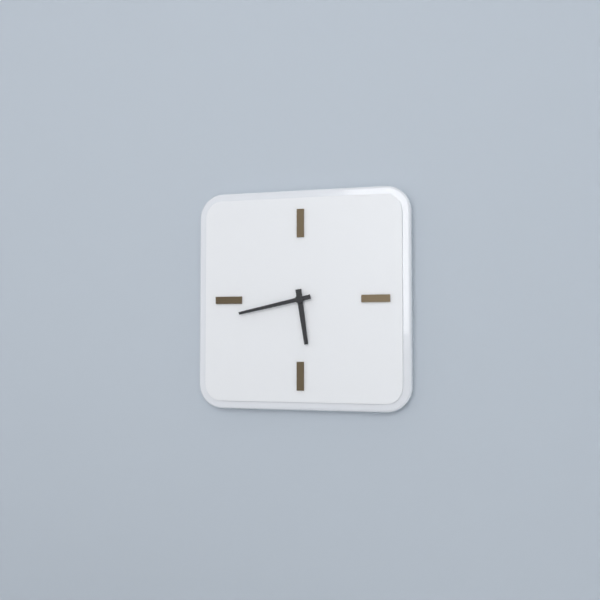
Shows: h=5 m=43
